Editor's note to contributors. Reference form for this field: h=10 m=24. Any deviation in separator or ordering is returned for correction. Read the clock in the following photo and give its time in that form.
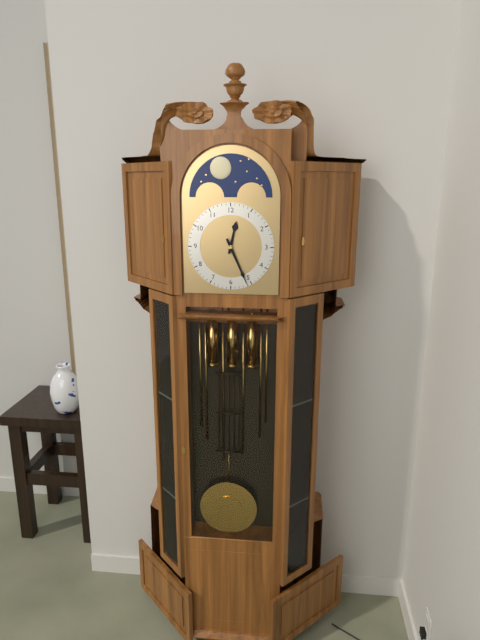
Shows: h=12 m=26
